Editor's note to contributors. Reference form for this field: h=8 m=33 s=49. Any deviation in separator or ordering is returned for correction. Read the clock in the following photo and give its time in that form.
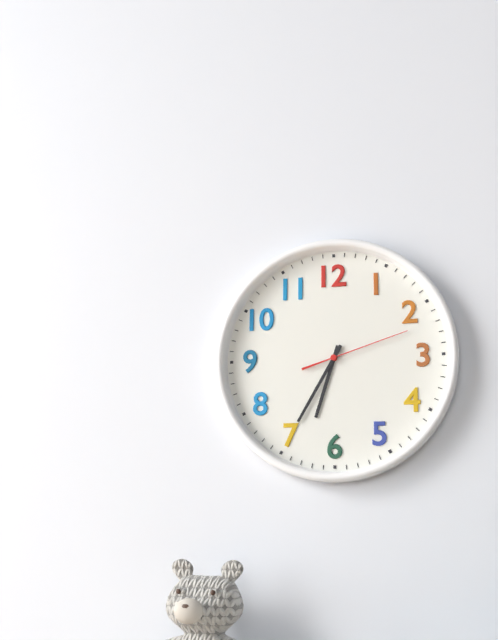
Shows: h=6 m=35 s=12
